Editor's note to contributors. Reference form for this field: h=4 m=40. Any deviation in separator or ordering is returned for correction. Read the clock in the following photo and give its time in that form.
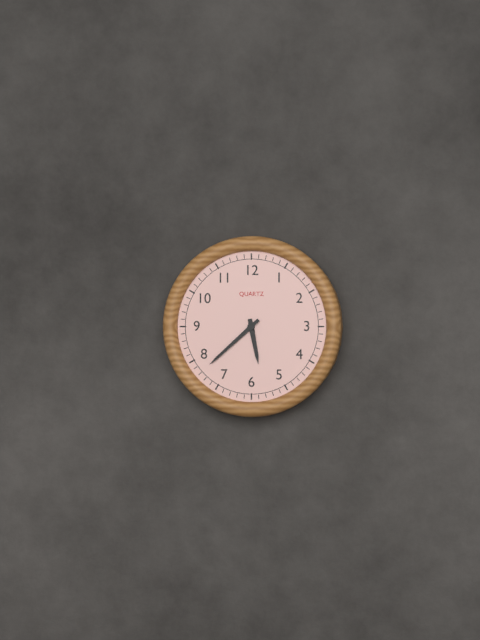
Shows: h=5 m=38
